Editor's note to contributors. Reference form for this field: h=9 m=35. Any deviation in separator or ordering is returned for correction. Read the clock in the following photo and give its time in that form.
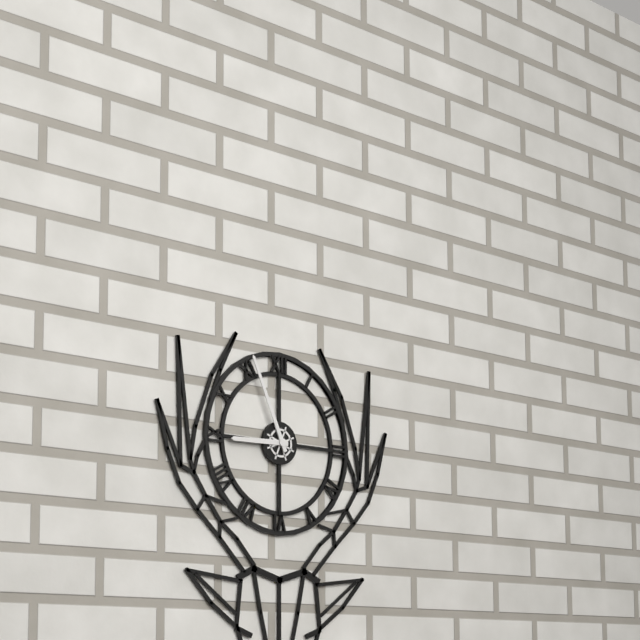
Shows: h=8 m=56
